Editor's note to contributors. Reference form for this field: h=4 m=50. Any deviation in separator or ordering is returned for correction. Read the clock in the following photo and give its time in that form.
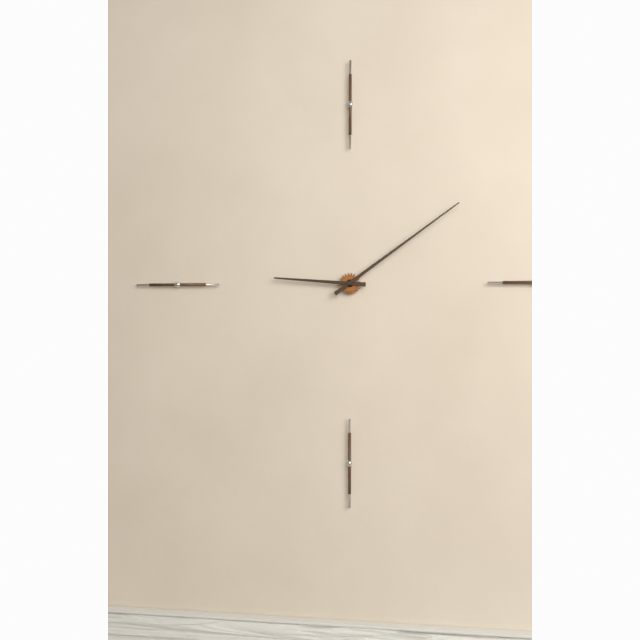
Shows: h=9 m=9
